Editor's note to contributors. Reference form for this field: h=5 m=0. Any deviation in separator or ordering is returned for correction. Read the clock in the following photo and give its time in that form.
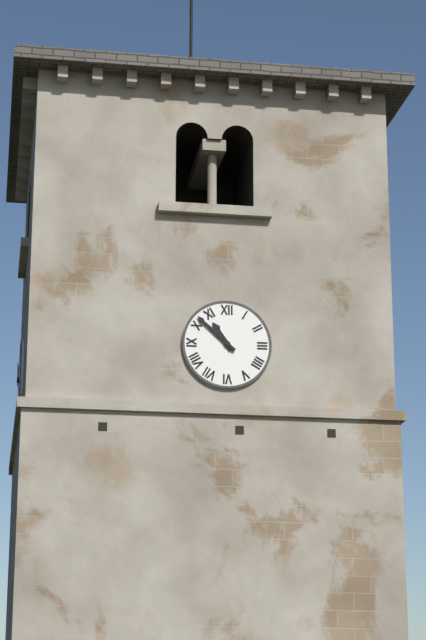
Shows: h=10 m=52
